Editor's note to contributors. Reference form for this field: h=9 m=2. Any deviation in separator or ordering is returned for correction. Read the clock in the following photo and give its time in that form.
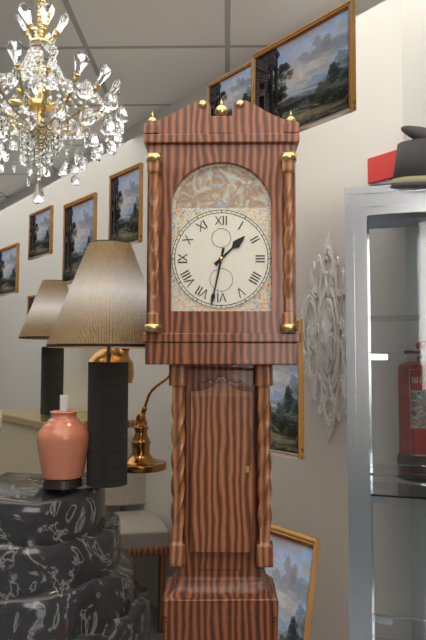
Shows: h=1 m=32
